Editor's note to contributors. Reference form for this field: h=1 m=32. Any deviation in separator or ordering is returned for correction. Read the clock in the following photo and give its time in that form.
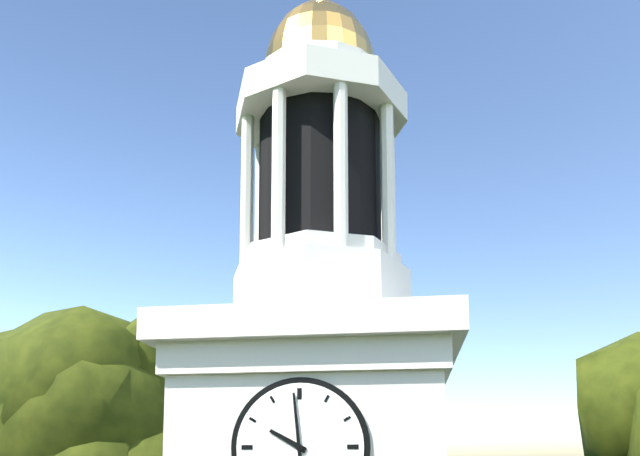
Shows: h=9 m=59
